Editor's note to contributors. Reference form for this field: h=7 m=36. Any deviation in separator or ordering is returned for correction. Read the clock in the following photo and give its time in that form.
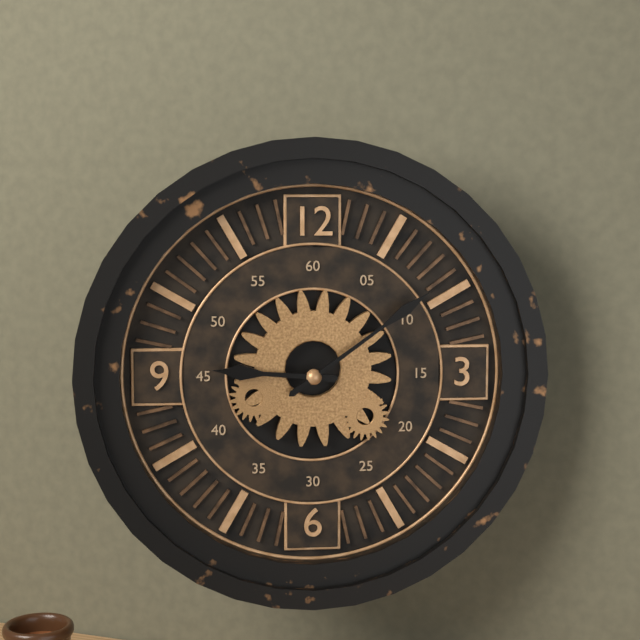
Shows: h=9 m=9
